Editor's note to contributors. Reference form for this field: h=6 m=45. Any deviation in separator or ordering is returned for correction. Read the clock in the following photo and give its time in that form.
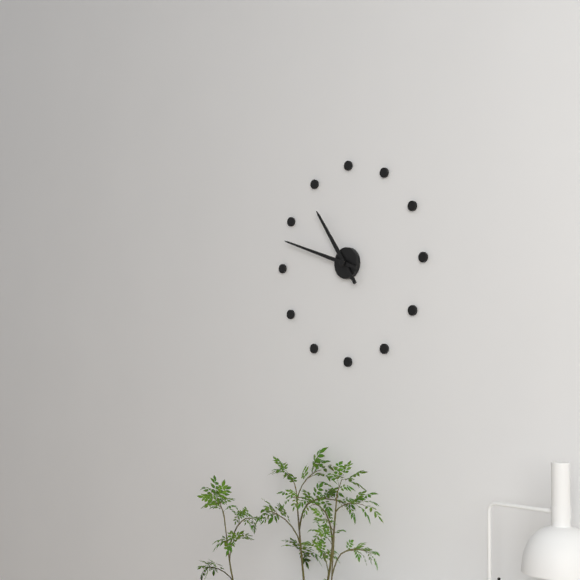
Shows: h=10 m=48
